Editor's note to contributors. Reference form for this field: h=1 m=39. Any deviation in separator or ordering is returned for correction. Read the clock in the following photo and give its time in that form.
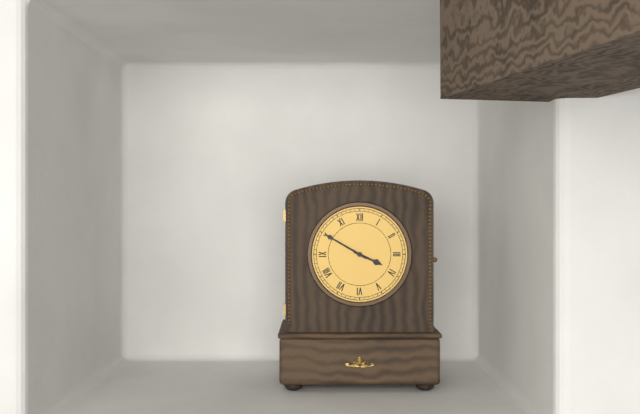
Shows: h=3 m=50
